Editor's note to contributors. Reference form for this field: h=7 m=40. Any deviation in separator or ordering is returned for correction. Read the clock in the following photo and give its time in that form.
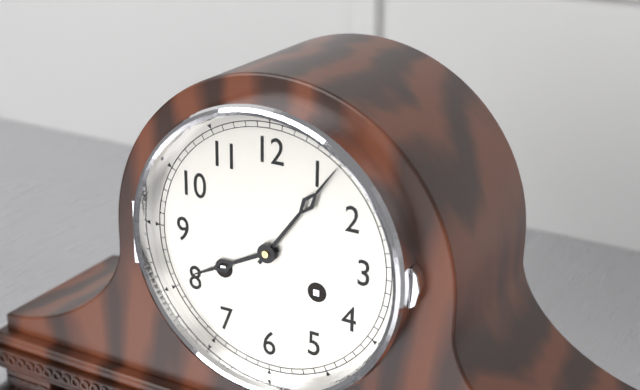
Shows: h=8 m=6
